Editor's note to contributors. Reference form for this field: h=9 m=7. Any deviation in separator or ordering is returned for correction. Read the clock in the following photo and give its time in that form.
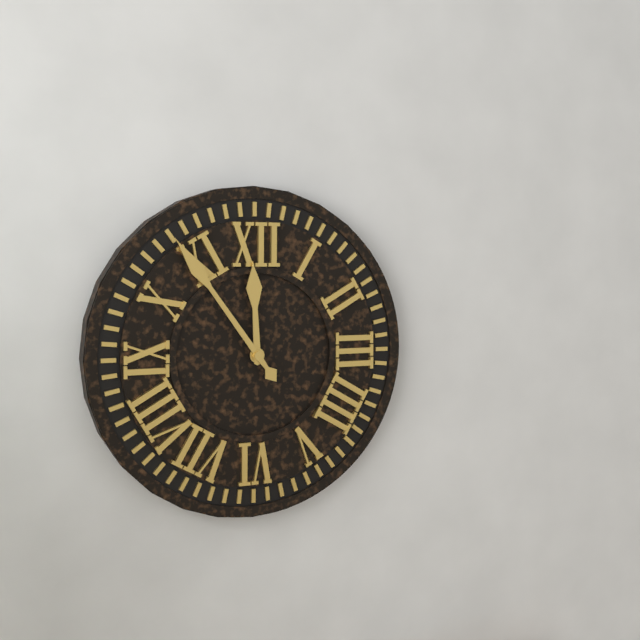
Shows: h=11 m=54
